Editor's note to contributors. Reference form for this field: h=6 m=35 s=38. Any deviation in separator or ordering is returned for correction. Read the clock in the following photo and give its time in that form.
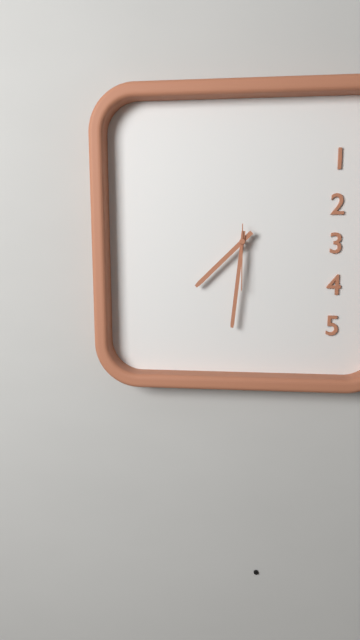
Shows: h=7 m=31 s=30
